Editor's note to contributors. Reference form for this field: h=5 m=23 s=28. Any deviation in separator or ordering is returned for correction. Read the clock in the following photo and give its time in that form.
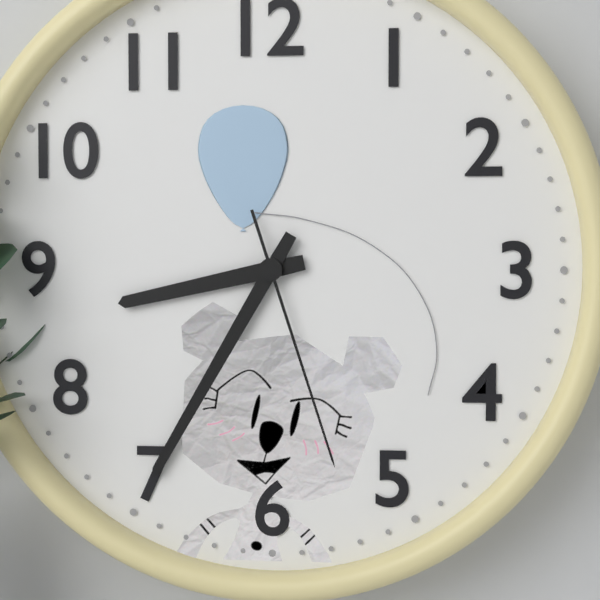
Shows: h=8 m=35 s=27
